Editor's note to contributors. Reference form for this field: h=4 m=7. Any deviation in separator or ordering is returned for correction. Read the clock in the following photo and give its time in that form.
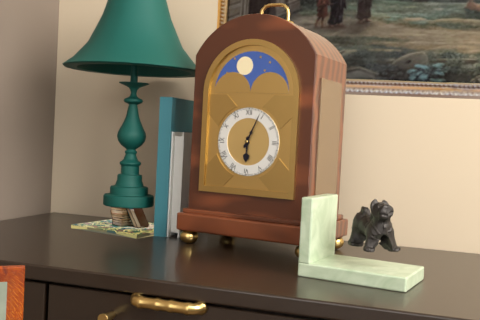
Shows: h=6 m=4
